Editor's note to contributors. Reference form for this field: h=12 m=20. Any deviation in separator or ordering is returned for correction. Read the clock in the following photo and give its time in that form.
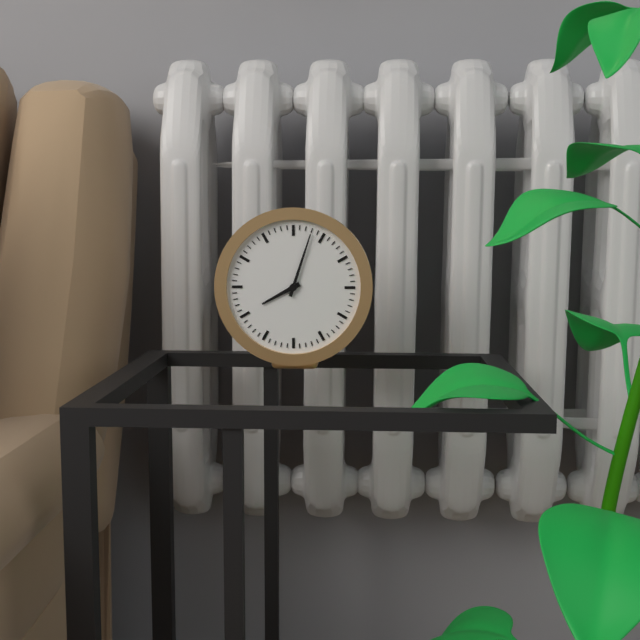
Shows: h=8 m=3
